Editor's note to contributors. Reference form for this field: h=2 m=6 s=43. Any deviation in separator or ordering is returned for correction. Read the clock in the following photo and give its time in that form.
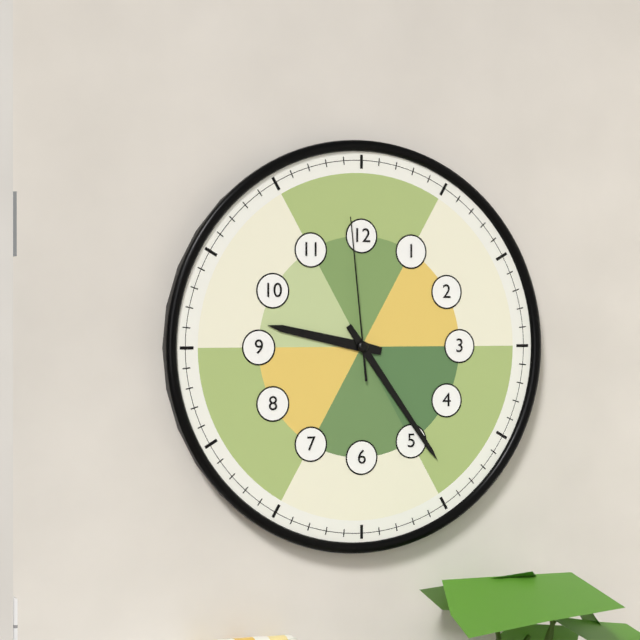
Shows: h=9 m=24 s=59
